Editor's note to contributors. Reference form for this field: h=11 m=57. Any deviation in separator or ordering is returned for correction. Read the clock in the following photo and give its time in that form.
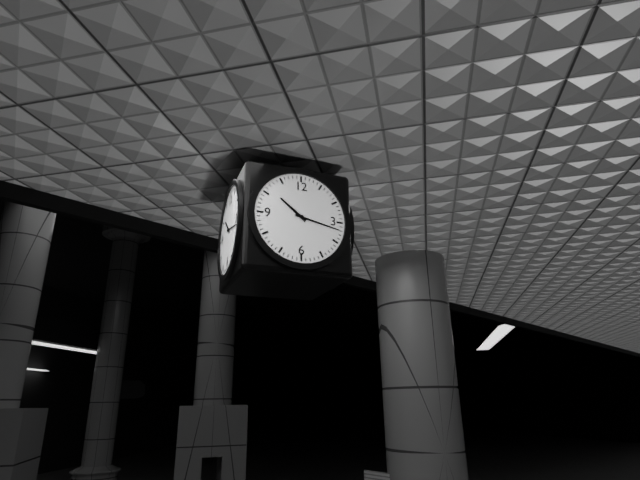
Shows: h=10 m=17
